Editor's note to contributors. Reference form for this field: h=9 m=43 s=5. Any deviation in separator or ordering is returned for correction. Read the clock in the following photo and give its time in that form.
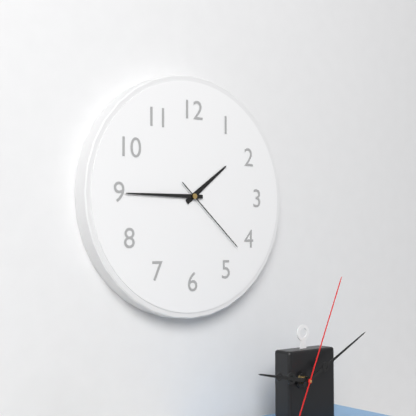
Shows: h=1 m=45 s=22
